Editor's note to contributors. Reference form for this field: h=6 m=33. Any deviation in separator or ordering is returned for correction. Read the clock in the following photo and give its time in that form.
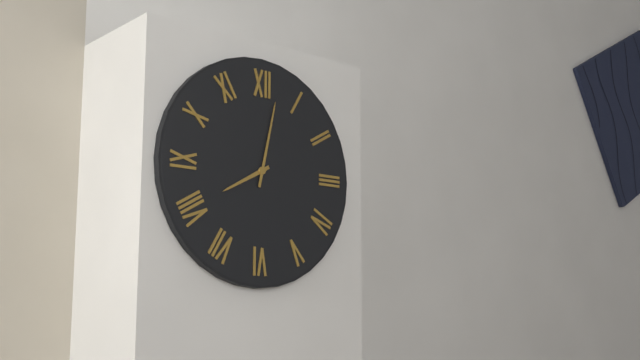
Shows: h=8 m=2
